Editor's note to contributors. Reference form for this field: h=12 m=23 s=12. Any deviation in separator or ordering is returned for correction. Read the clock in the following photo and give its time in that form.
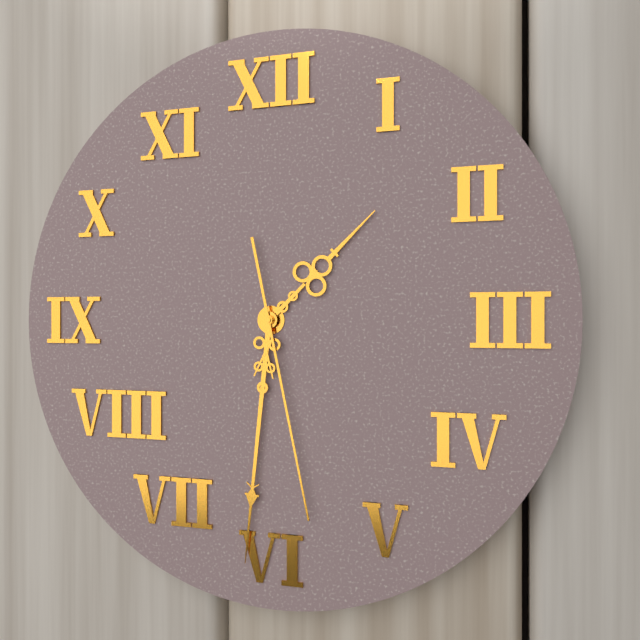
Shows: h=1 m=31 s=28
